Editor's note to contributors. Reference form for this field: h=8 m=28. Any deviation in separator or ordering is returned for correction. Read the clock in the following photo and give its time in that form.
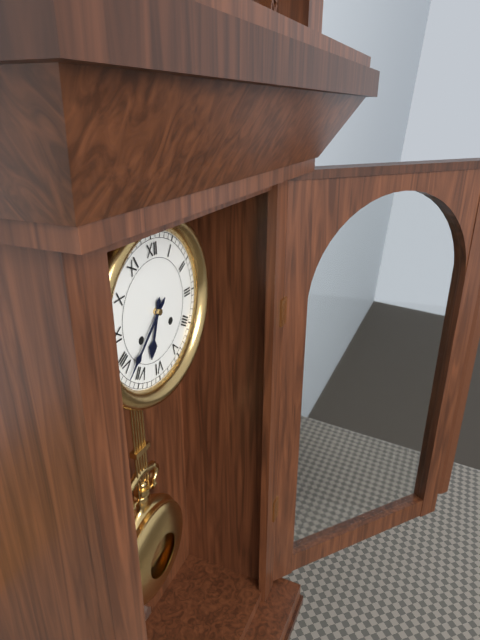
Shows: h=6 m=38
